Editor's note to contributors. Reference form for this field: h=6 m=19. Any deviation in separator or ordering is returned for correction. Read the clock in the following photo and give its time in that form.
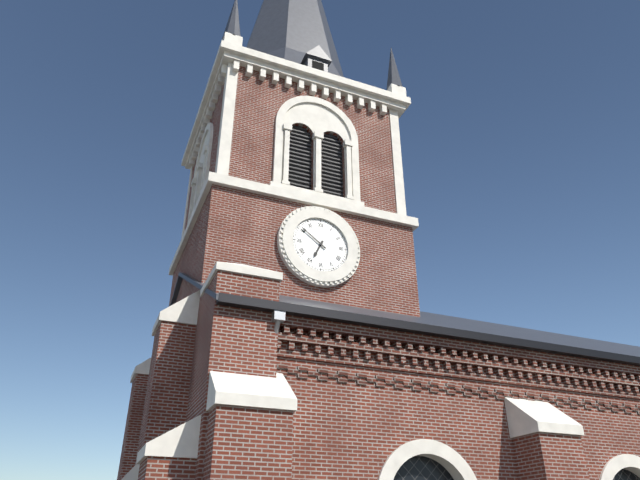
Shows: h=6 m=51
